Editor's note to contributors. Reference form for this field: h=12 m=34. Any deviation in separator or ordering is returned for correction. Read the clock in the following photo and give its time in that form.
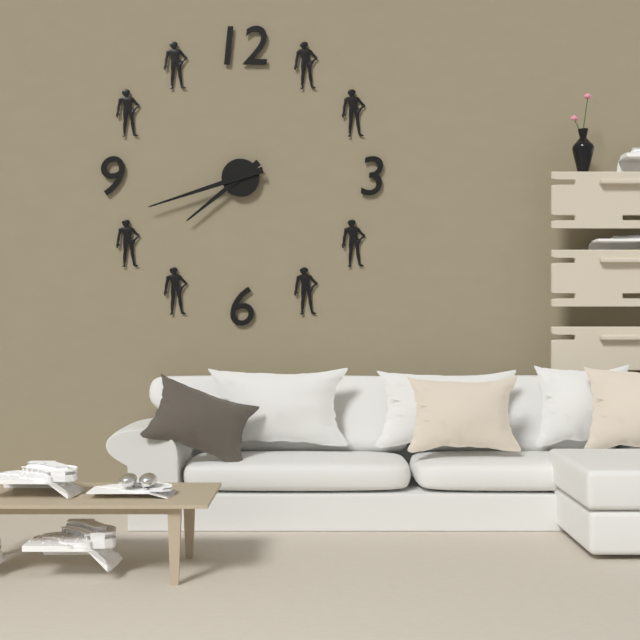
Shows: h=7 m=42
